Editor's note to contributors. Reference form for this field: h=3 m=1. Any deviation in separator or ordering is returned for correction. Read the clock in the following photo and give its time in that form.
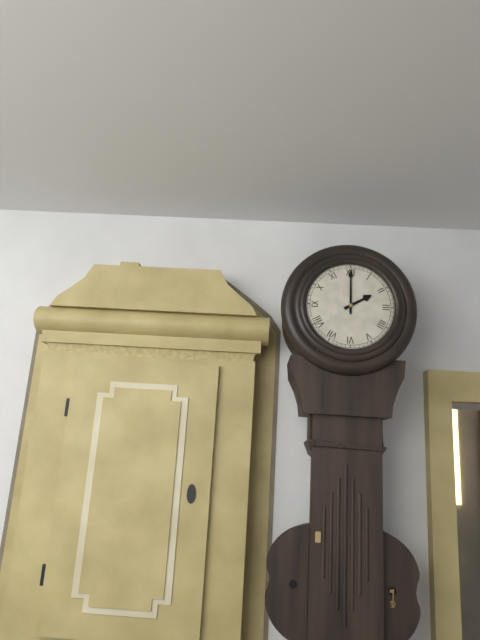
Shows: h=2 m=0
